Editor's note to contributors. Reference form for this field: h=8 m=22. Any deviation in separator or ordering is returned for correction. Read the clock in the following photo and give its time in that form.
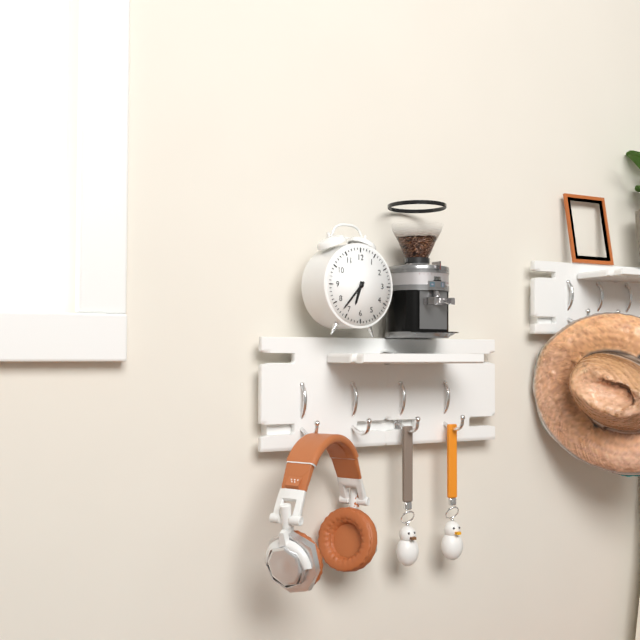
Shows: h=6 m=37
